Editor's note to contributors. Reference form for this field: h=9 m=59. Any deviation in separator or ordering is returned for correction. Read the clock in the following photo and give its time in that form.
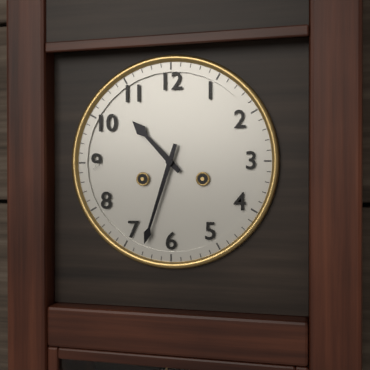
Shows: h=10 m=33
